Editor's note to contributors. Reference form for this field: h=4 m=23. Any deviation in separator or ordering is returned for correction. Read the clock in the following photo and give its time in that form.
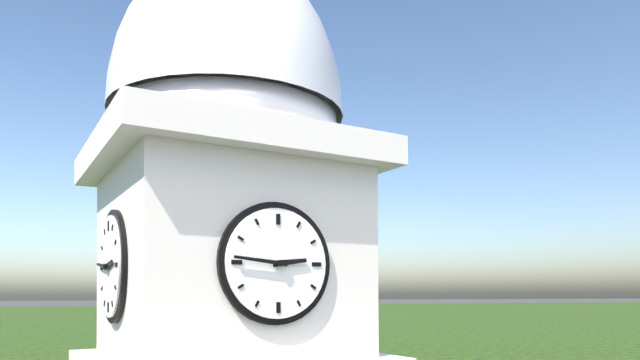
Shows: h=2 m=46
